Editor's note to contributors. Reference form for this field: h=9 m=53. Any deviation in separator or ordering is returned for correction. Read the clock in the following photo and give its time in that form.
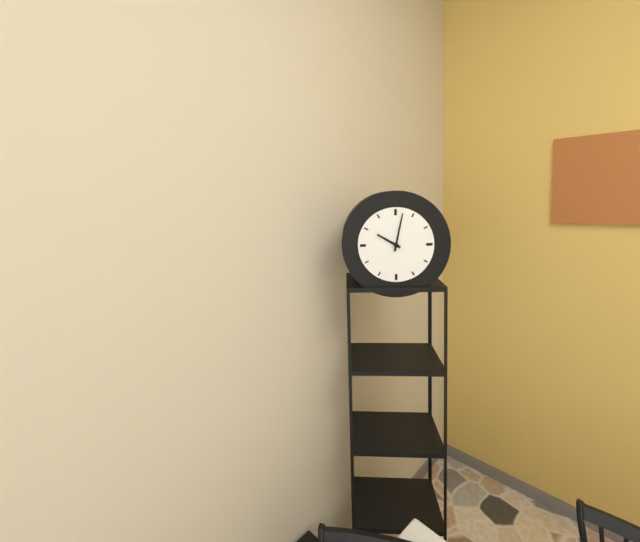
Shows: h=10 m=2
